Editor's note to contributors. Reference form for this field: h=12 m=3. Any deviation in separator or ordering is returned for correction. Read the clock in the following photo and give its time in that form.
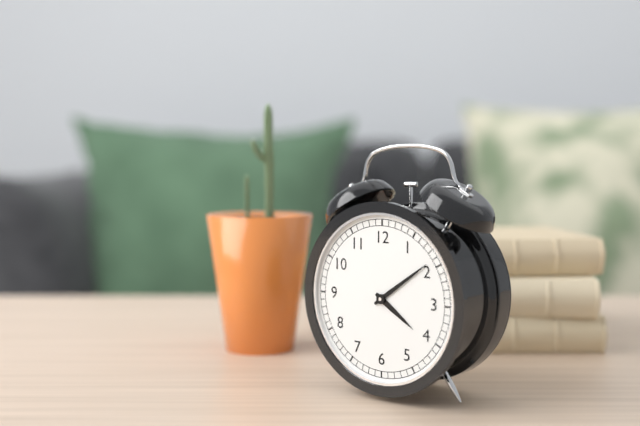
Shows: h=4 m=9
